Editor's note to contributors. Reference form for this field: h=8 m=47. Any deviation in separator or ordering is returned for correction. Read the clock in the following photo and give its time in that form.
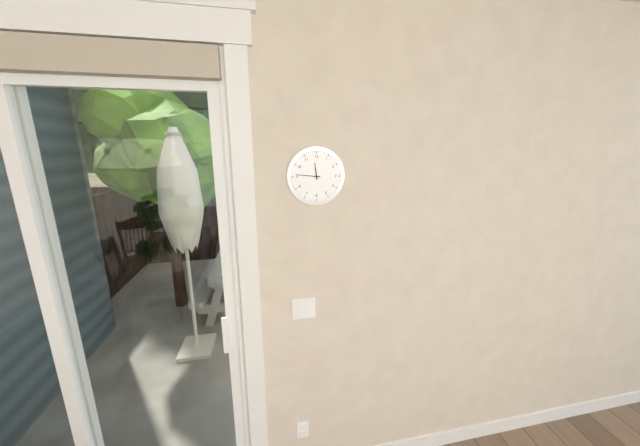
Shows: h=11 m=46
